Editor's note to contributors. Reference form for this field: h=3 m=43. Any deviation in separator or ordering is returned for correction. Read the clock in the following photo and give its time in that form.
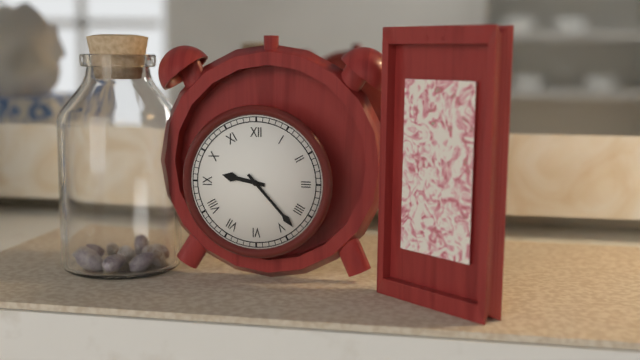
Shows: h=9 m=23
